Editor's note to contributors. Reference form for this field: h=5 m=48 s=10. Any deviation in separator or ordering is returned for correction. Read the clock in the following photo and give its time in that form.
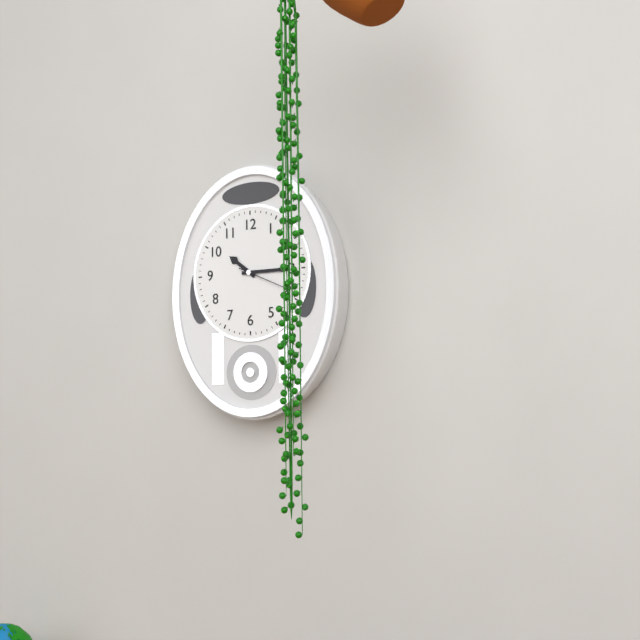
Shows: h=10 m=15 s=19
